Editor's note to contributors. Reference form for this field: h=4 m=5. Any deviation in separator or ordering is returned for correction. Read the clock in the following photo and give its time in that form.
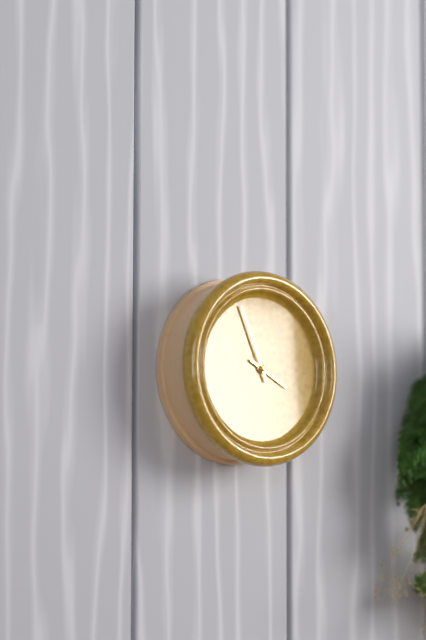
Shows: h=3 m=56
